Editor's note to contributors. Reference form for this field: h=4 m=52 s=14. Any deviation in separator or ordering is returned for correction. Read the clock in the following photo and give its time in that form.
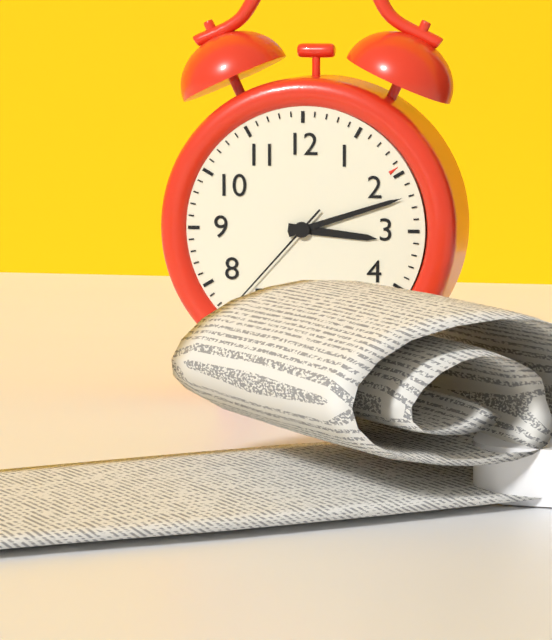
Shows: h=3 m=12 s=37
